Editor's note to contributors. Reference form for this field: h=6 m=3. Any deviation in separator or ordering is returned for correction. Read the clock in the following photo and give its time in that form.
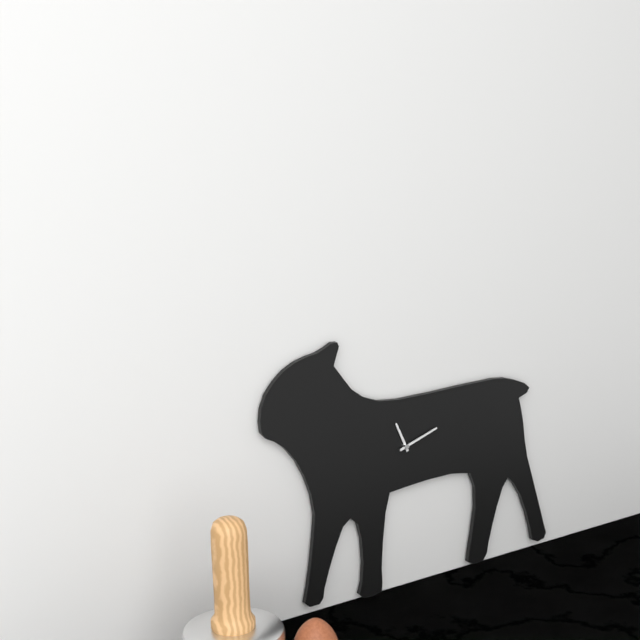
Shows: h=11 m=12
